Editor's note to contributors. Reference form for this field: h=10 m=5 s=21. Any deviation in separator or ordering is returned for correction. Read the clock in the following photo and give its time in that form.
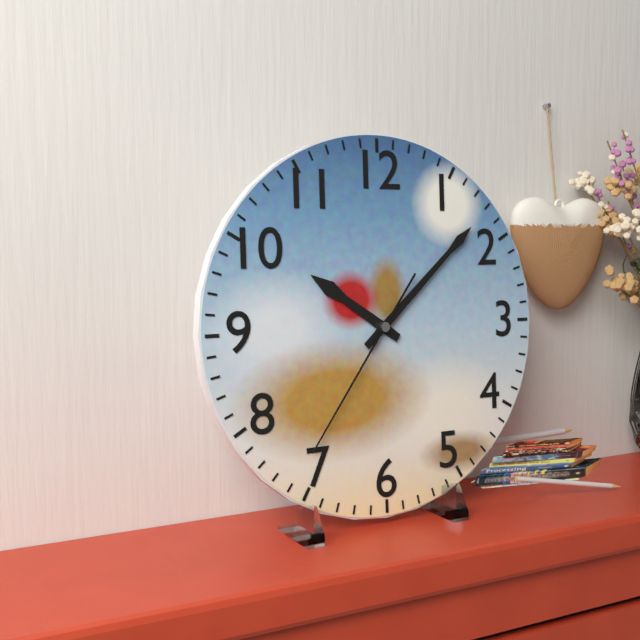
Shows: h=10 m=8 s=36
